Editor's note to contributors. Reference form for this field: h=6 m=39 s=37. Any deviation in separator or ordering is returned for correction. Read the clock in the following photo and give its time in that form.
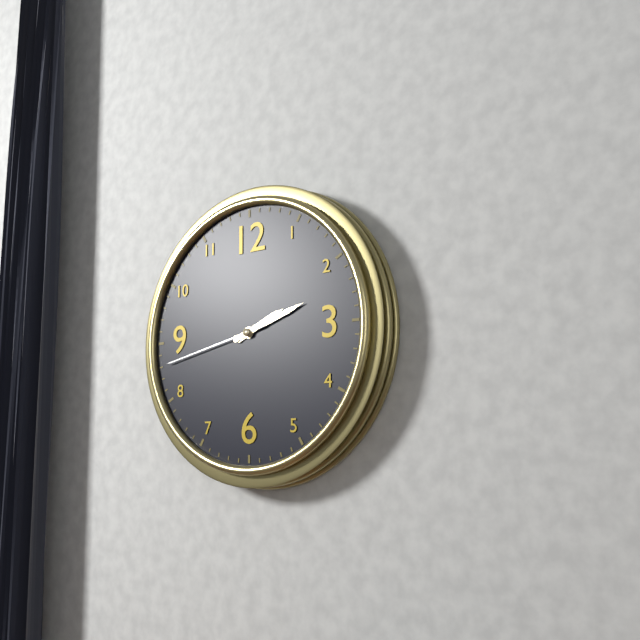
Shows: h=2 m=12 s=43
